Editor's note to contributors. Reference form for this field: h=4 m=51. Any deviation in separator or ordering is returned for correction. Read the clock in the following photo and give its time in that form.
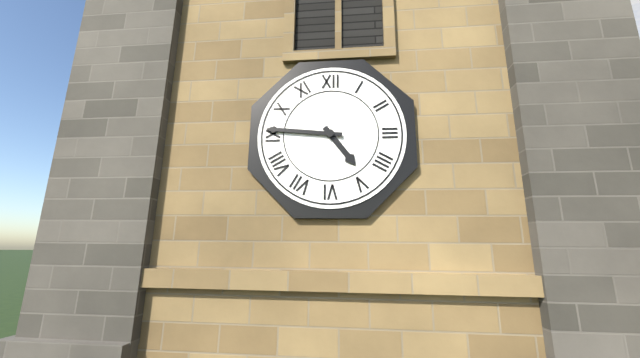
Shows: h=4 m=46
